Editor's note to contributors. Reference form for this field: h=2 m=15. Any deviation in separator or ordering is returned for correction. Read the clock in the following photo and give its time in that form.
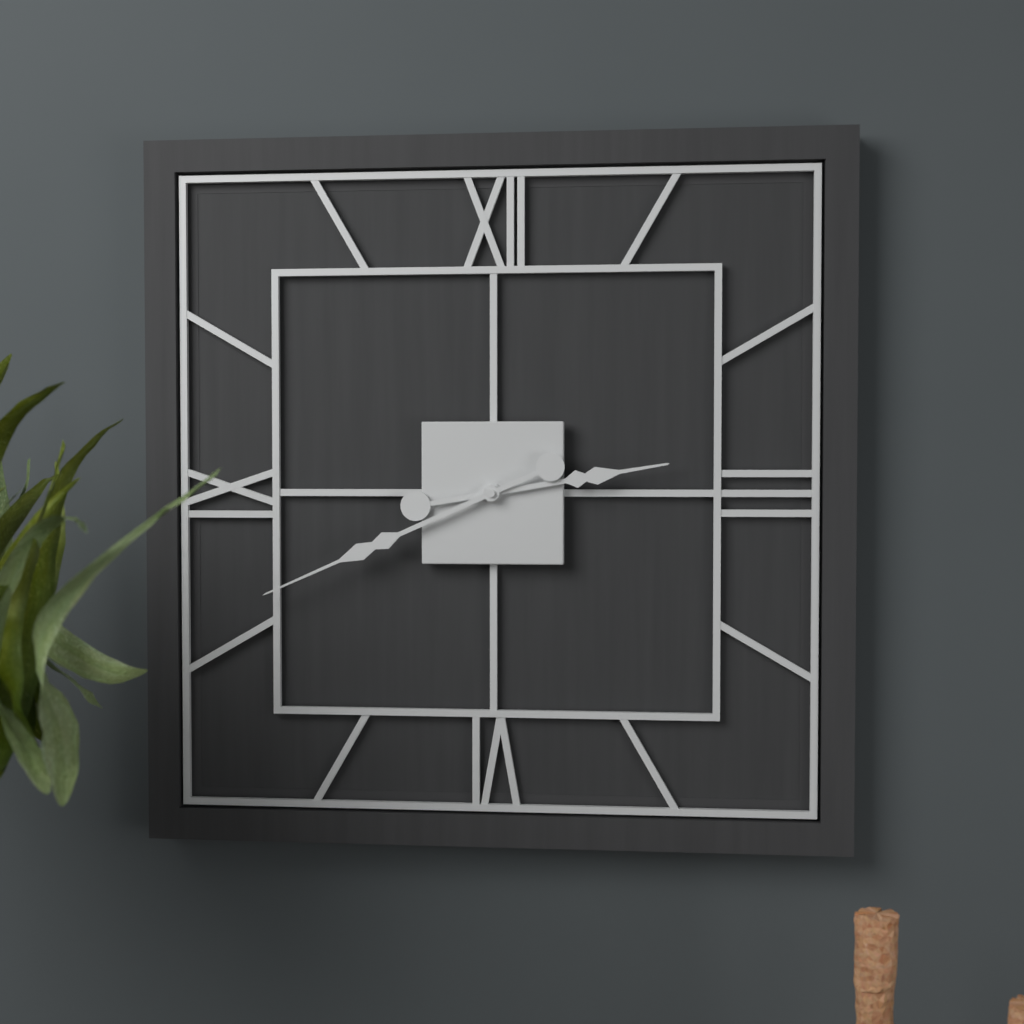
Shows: h=2 m=41
